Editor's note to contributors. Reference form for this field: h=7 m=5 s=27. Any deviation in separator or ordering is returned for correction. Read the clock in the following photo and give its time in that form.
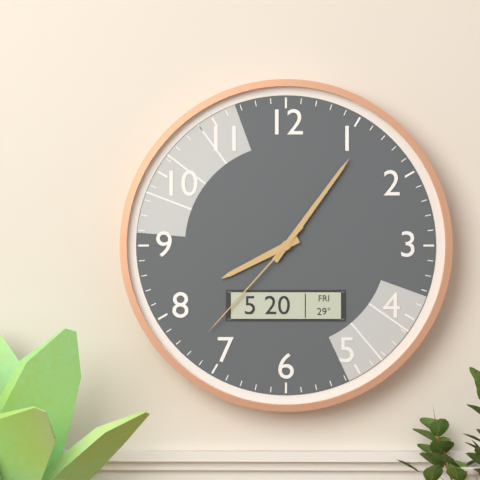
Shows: h=8 m=6 s=37
